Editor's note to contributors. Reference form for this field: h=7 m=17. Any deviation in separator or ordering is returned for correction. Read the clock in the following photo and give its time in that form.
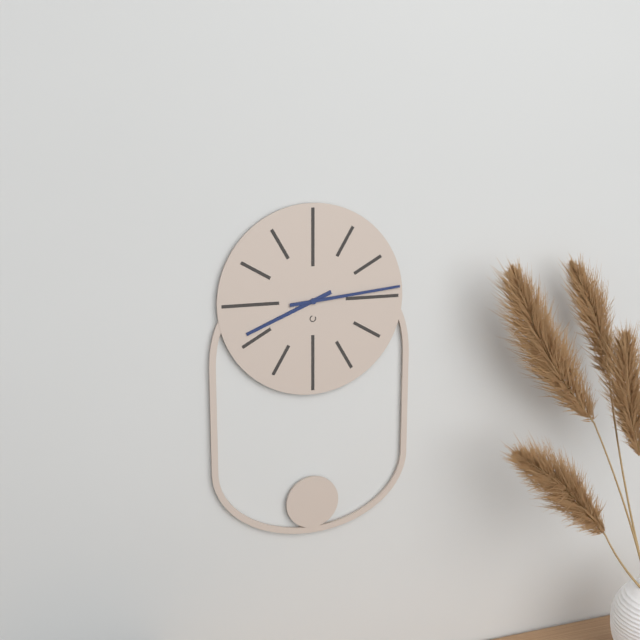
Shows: h=8 m=14
